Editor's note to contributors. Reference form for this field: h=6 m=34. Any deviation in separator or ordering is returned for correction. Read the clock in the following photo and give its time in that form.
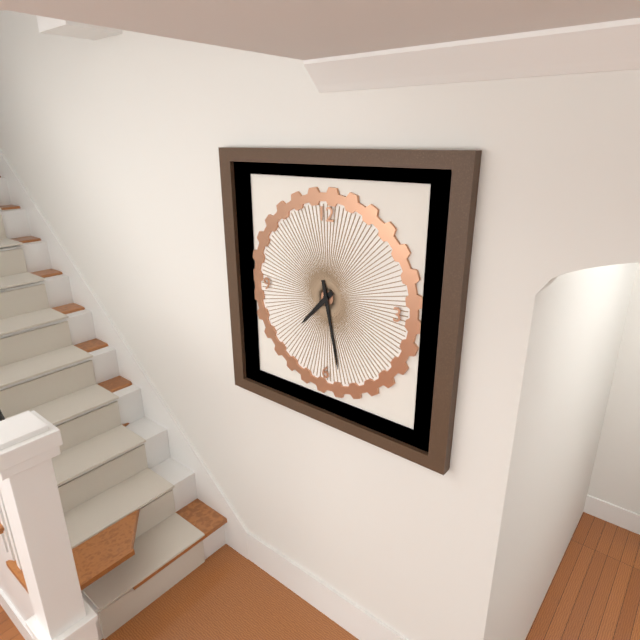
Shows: h=7 m=28
